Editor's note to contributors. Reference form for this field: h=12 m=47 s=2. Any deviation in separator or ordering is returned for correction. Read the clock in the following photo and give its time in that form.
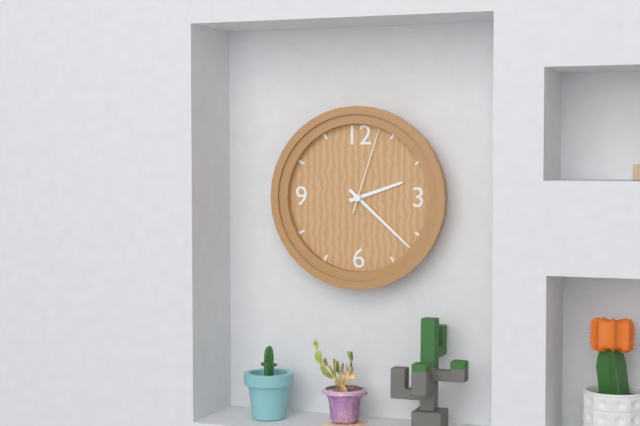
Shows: h=2 m=22 s=3
